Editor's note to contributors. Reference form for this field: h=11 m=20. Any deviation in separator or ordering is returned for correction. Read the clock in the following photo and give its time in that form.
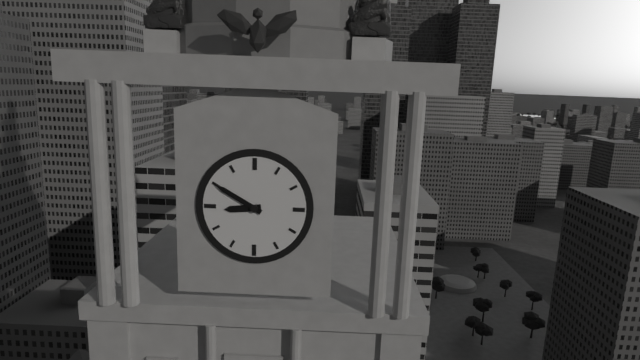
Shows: h=8 m=50
